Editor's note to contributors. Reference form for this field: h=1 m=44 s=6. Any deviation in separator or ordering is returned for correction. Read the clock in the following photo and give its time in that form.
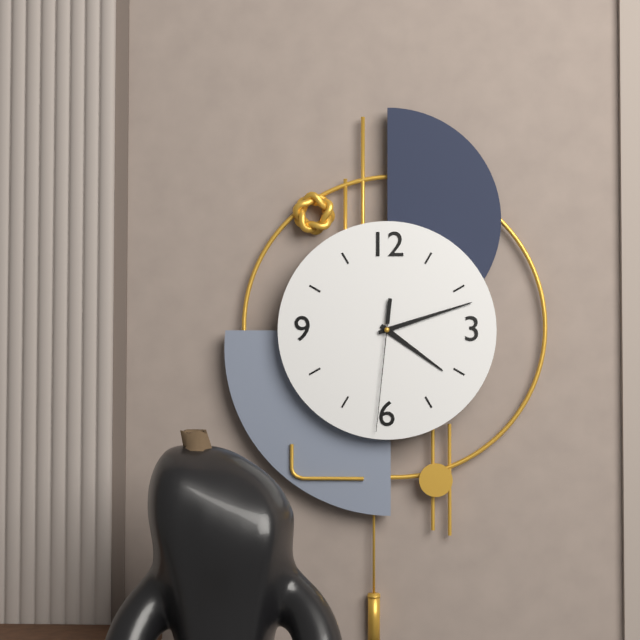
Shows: h=4 m=12 s=31
